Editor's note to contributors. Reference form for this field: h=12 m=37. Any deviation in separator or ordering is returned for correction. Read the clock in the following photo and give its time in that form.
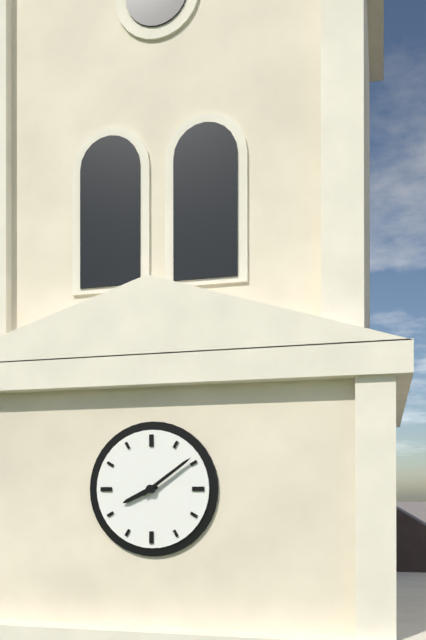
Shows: h=8 m=9
